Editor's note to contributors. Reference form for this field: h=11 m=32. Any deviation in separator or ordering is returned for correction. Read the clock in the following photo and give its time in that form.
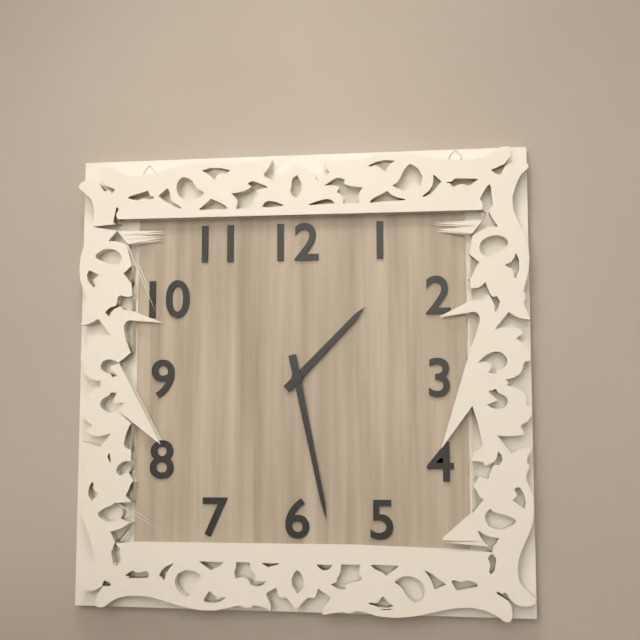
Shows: h=1 m=28
